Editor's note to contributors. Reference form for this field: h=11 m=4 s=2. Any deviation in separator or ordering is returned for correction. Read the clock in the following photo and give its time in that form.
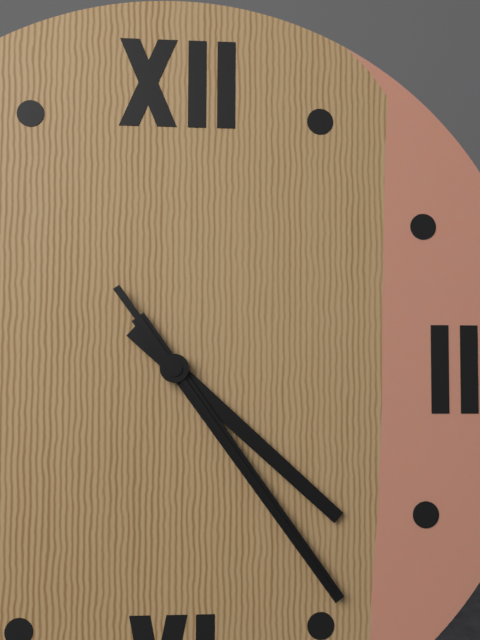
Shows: h=4 m=24 s=24
